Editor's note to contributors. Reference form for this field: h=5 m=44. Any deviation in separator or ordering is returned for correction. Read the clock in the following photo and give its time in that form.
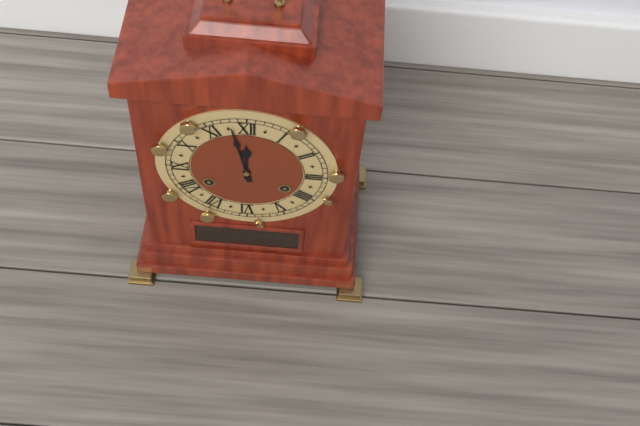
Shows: h=11 m=58
